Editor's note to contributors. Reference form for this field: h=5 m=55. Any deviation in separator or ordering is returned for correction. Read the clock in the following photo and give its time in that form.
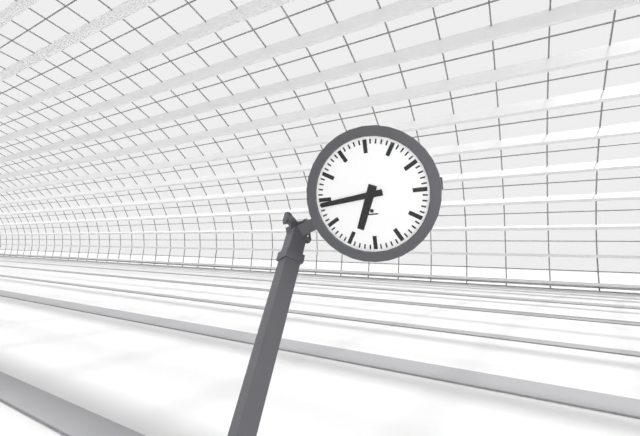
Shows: h=6 m=44
